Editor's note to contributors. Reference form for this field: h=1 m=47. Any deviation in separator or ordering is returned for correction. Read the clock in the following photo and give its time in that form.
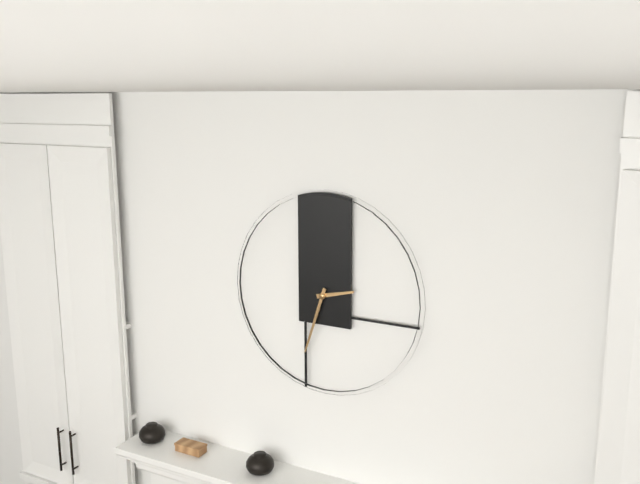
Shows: h=2 m=33
